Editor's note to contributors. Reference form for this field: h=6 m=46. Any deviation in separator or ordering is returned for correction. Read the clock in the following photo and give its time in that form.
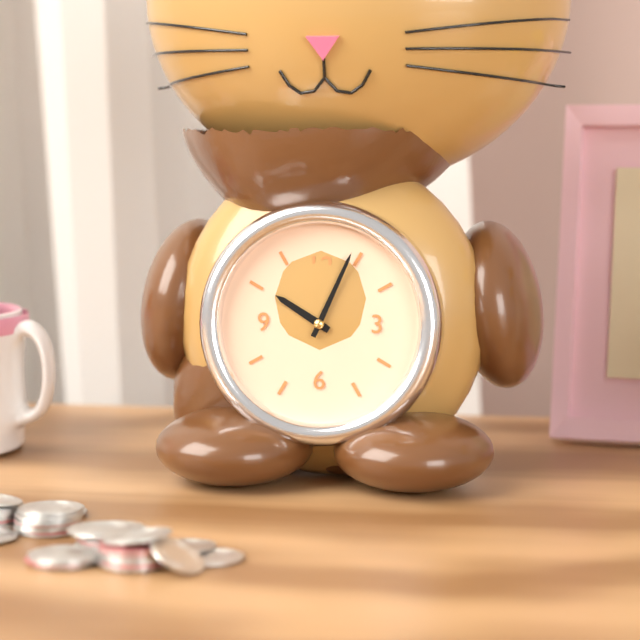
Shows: h=10 m=4
